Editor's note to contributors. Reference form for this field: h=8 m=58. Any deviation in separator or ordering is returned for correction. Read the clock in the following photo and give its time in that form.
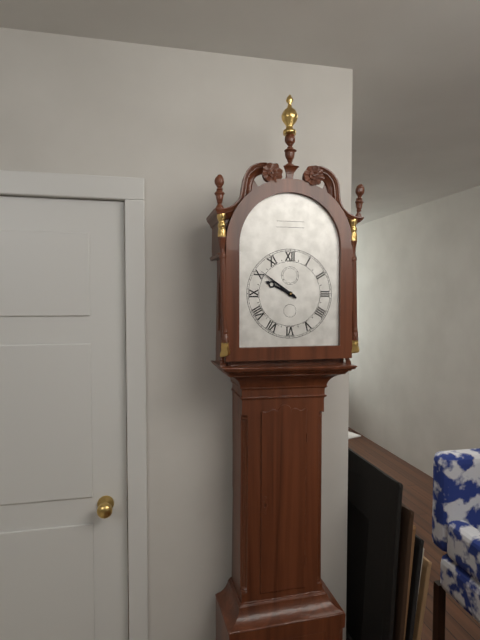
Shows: h=9 m=51
